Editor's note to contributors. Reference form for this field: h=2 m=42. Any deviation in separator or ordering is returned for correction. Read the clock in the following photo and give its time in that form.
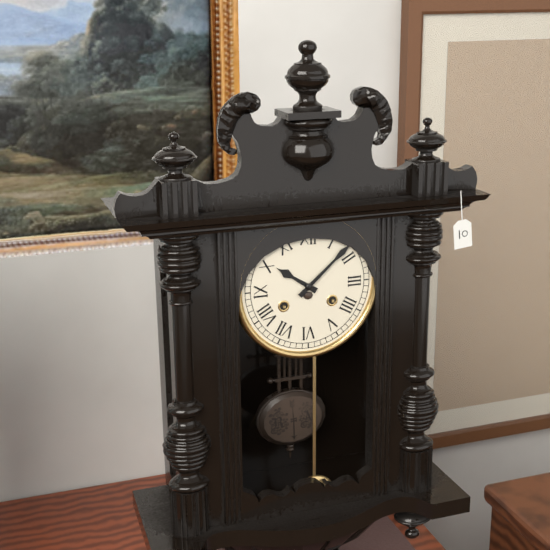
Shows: h=10 m=8
